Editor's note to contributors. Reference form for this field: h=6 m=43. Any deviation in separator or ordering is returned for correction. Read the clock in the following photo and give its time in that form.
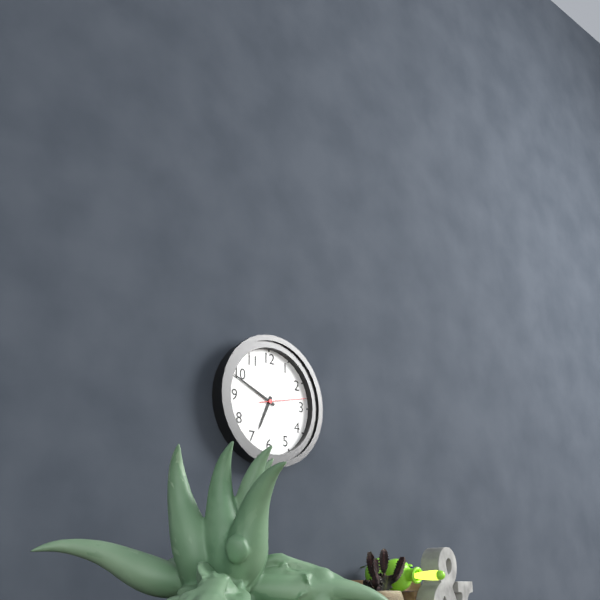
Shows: h=6 m=49
